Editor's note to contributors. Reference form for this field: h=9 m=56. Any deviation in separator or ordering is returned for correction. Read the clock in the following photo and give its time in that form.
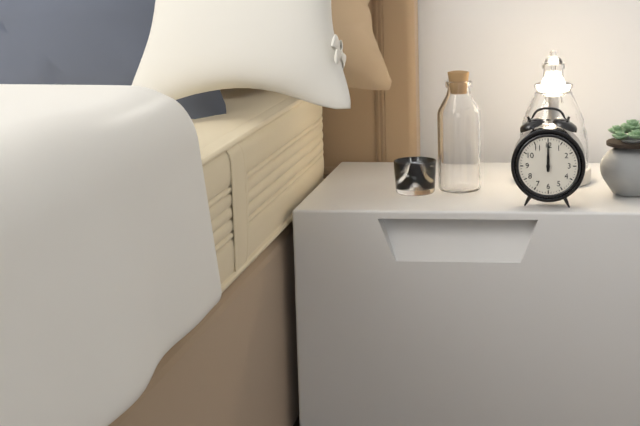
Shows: h=12 m=0
